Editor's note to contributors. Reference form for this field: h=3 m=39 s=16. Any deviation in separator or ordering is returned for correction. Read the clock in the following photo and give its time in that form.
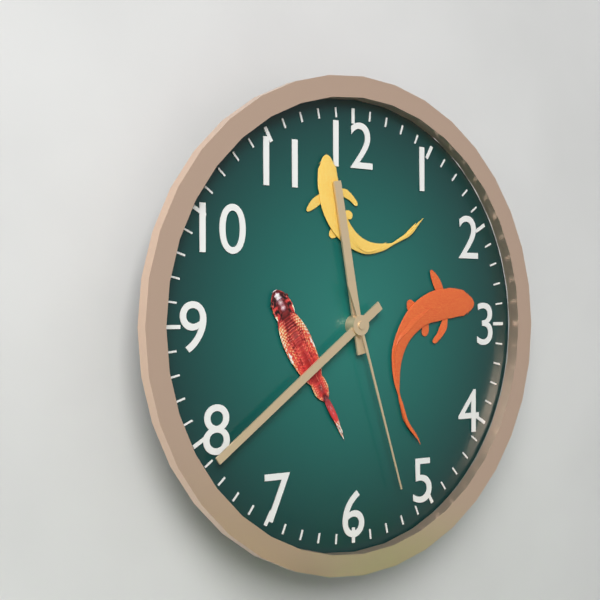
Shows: h=11 m=39 s=27
